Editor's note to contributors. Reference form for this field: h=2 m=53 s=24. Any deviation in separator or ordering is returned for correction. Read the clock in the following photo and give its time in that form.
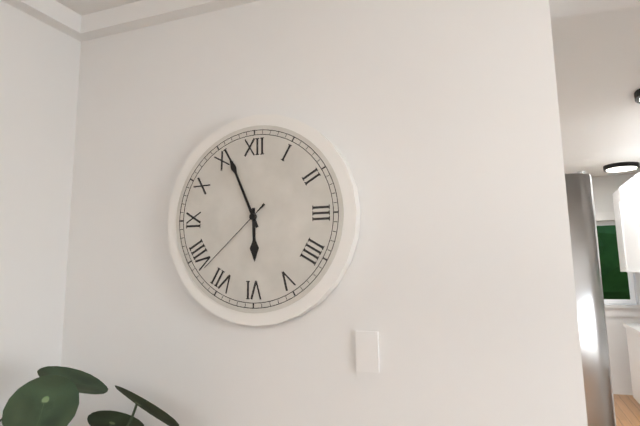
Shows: h=5 m=56 s=38
